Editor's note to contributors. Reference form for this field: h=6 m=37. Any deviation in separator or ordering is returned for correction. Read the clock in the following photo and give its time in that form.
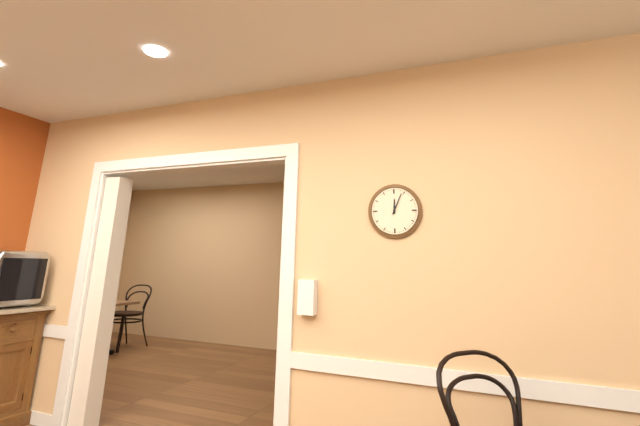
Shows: h=12 m=4
